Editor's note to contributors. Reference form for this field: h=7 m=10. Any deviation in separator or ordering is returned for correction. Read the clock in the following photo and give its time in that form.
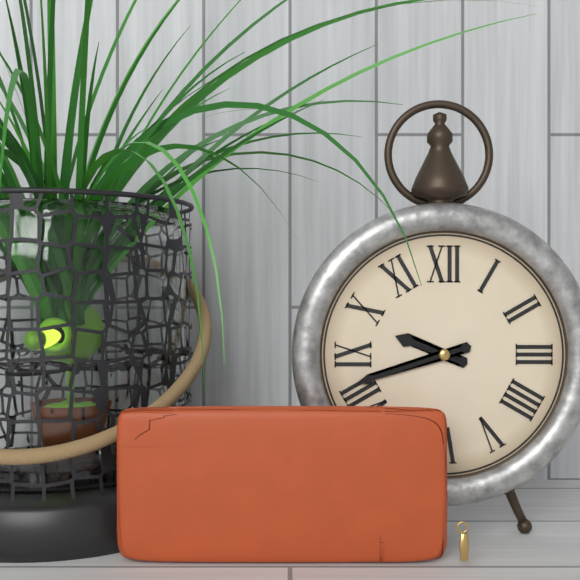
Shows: h=9 m=42
